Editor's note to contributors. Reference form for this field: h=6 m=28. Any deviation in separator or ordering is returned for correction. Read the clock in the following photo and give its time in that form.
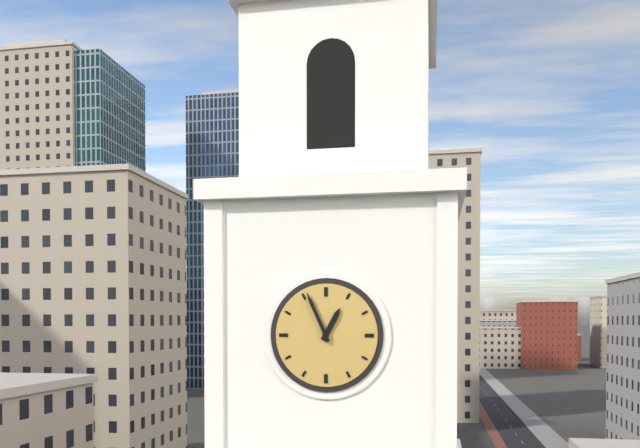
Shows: h=12 m=56
